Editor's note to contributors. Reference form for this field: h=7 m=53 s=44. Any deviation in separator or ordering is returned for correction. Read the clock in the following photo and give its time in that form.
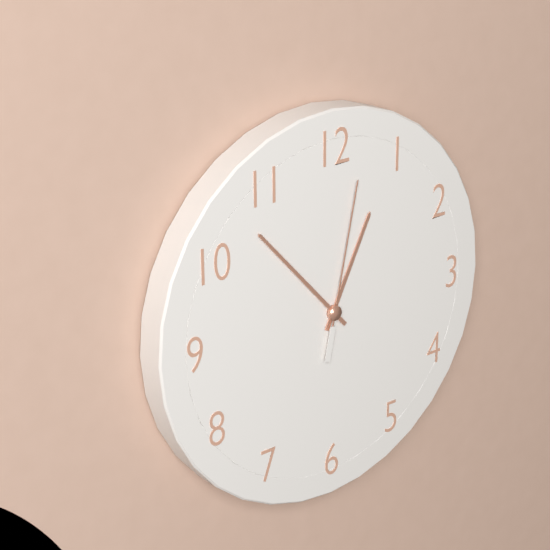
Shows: h=12 m=53 s=2
